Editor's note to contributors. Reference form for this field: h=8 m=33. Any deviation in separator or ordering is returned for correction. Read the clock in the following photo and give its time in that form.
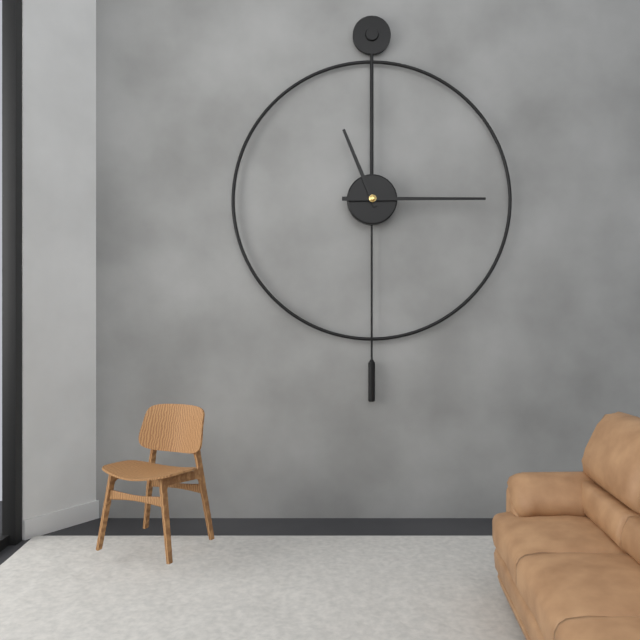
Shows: h=11 m=15
